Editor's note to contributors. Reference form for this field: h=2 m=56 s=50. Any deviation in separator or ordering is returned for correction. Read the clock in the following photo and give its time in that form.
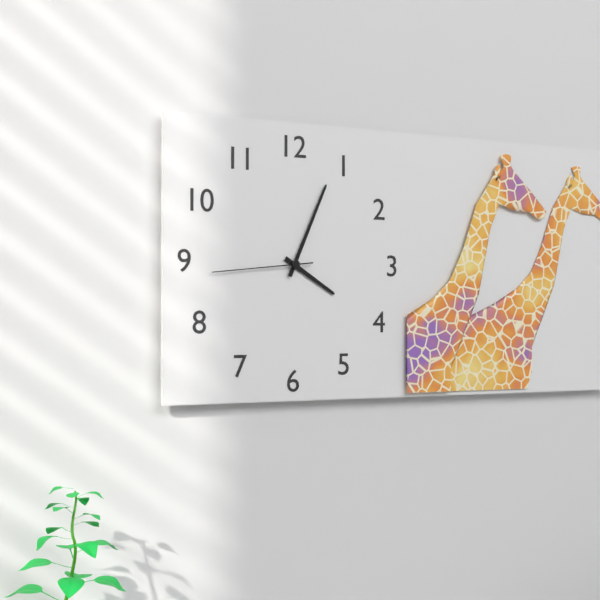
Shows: h=4 m=4 s=44
